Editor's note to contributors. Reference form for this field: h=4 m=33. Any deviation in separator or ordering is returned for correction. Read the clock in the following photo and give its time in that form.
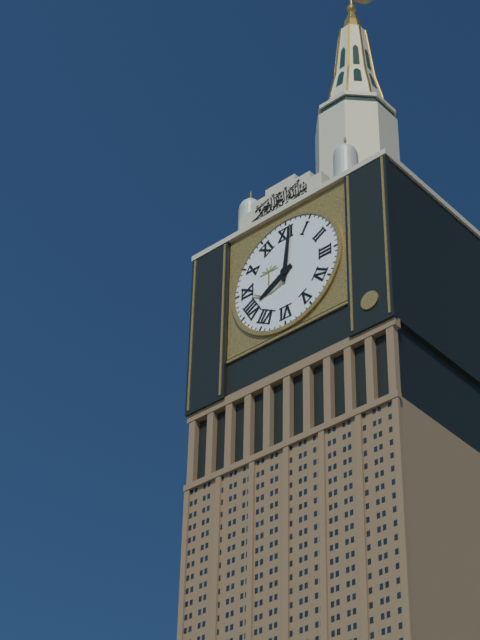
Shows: h=8 m=1
